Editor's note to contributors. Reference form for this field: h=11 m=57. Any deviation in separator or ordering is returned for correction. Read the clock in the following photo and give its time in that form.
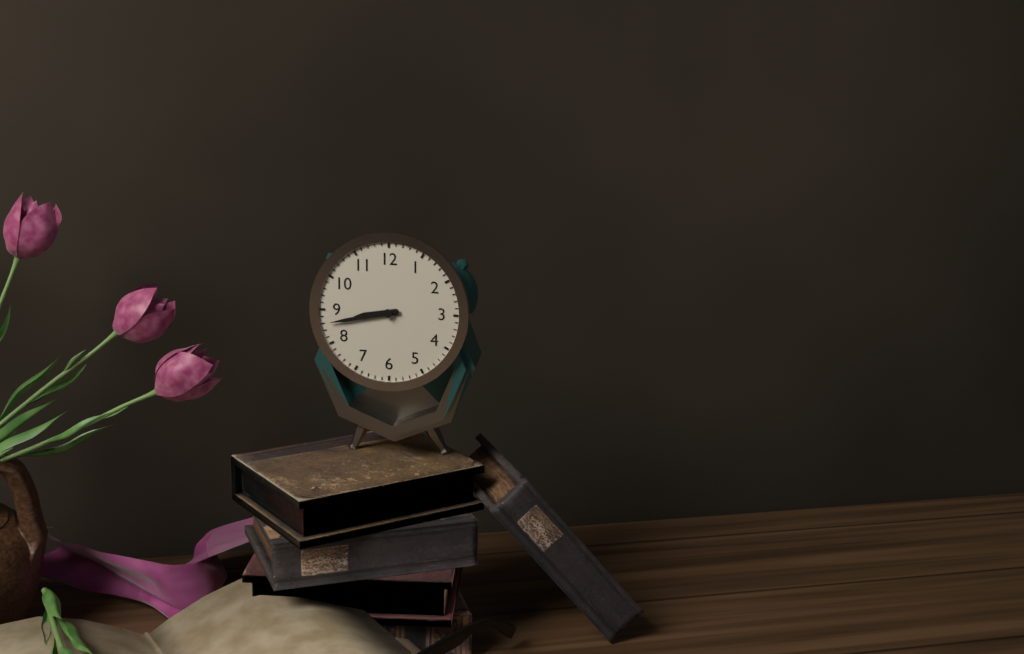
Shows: h=8 m=43
